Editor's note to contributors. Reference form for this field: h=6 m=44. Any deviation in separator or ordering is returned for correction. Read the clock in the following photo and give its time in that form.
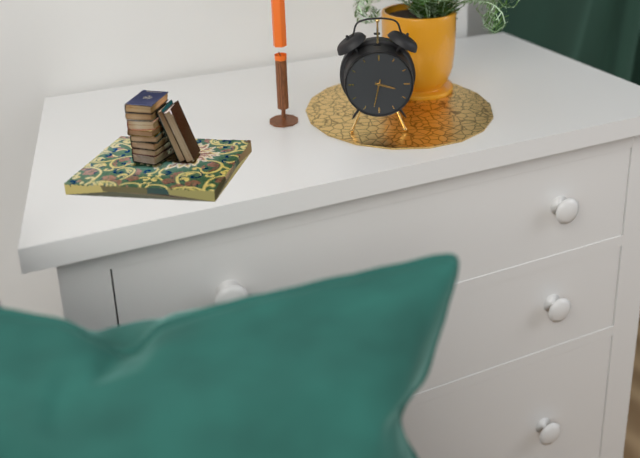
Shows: h=3 m=32
